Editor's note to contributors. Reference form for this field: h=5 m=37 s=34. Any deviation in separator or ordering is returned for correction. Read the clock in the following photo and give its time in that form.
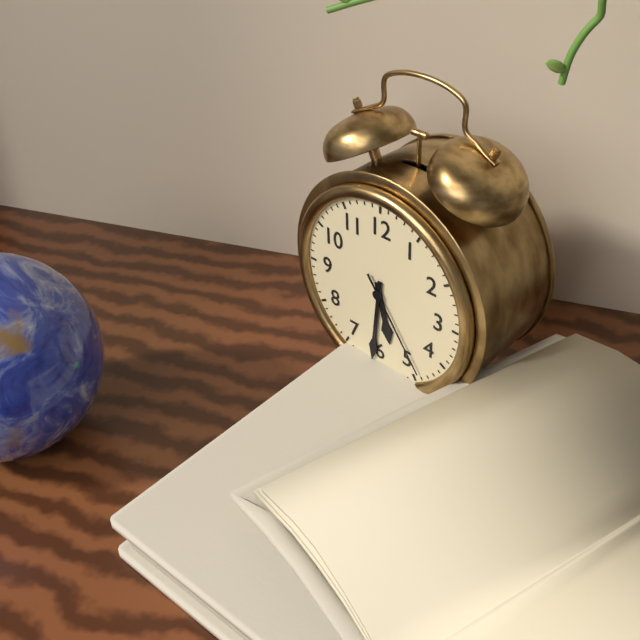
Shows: h=5 m=31 s=24
